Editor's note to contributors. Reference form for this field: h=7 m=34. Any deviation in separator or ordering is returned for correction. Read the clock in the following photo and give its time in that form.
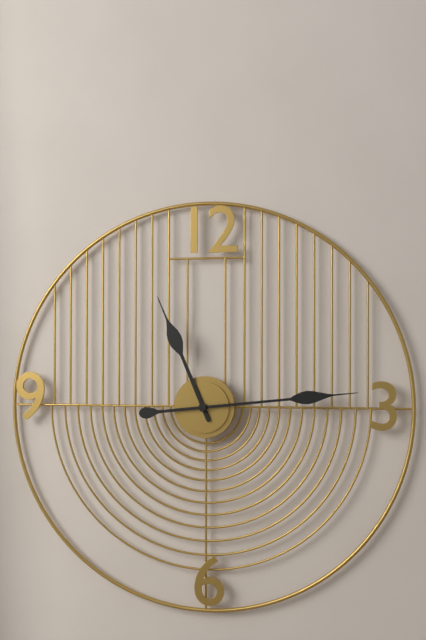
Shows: h=11 m=14
